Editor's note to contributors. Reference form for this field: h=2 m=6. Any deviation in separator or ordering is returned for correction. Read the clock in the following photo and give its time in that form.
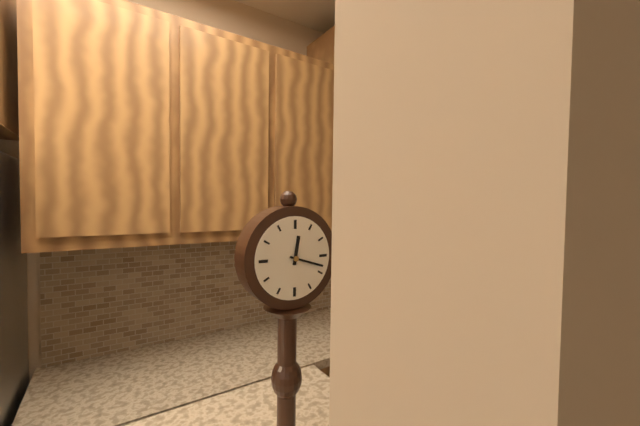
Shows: h=12 m=18
